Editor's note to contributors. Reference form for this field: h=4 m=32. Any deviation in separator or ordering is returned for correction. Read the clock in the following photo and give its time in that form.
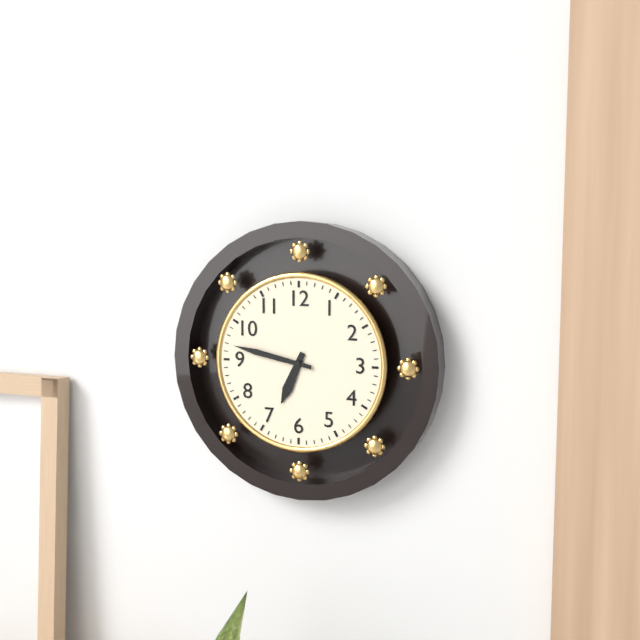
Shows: h=6 m=47
